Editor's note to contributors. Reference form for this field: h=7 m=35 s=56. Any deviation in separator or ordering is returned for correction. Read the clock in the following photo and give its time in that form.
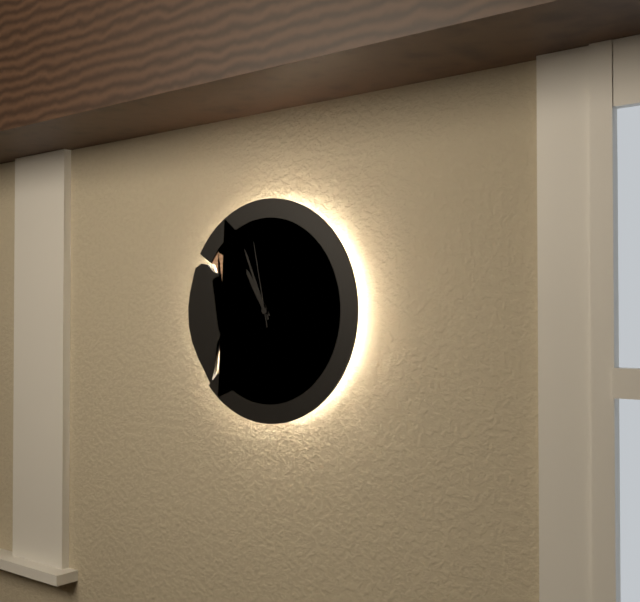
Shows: h=10 m=56 s=58
